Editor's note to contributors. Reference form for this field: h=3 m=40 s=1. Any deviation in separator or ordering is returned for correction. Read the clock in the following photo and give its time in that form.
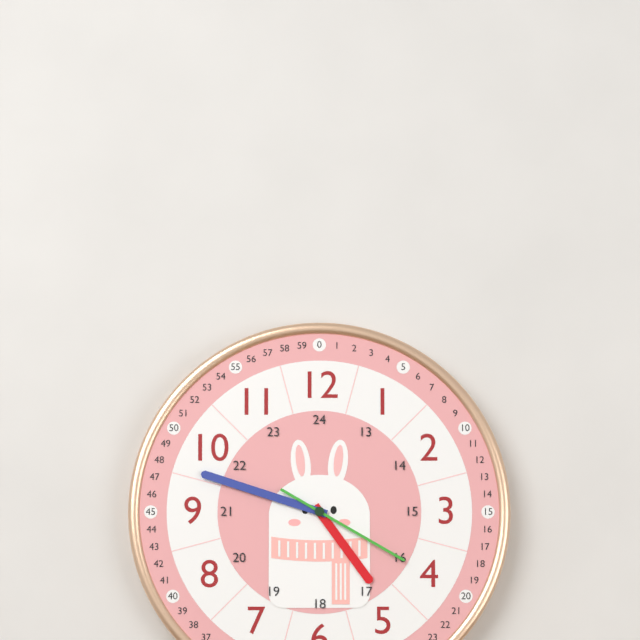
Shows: h=4 m=48 s=20
